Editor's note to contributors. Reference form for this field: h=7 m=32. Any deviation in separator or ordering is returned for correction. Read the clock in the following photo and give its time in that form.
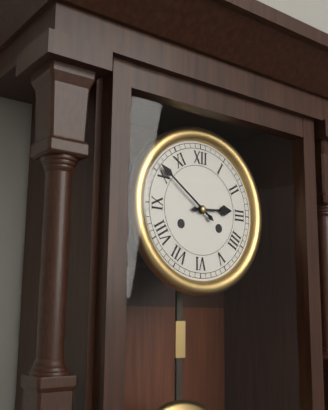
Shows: h=2 m=51
